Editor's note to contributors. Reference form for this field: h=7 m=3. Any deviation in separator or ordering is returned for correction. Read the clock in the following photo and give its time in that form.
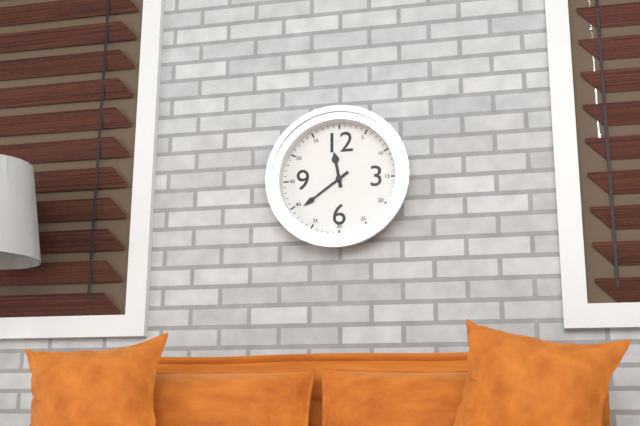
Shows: h=11 m=39
